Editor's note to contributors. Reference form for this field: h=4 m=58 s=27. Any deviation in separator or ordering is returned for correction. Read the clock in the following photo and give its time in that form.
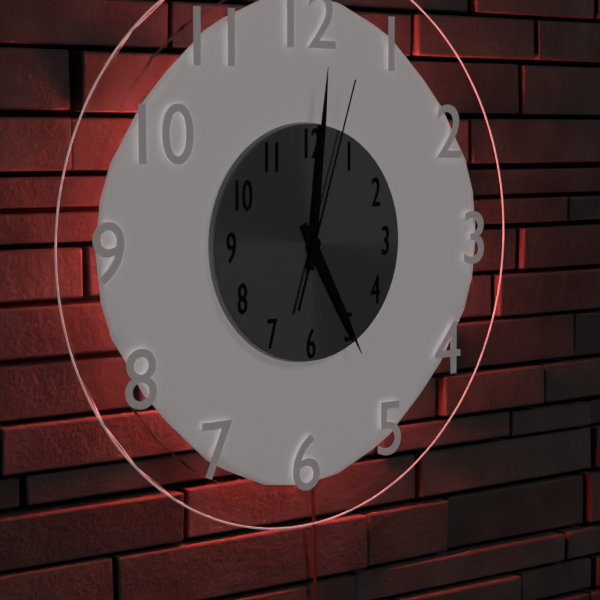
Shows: h=5 m=1 s=3
